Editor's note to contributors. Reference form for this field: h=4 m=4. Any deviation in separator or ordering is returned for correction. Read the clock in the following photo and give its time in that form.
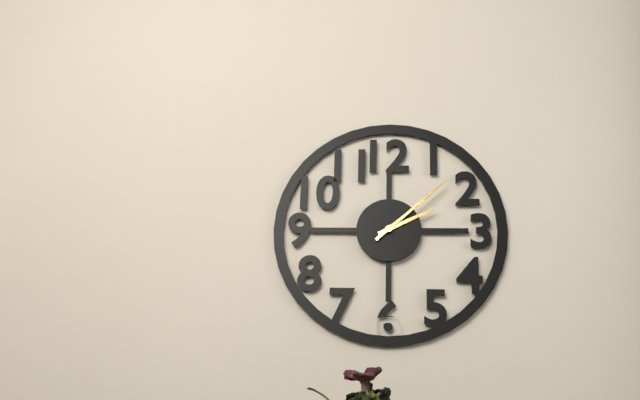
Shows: h=2 m=8
